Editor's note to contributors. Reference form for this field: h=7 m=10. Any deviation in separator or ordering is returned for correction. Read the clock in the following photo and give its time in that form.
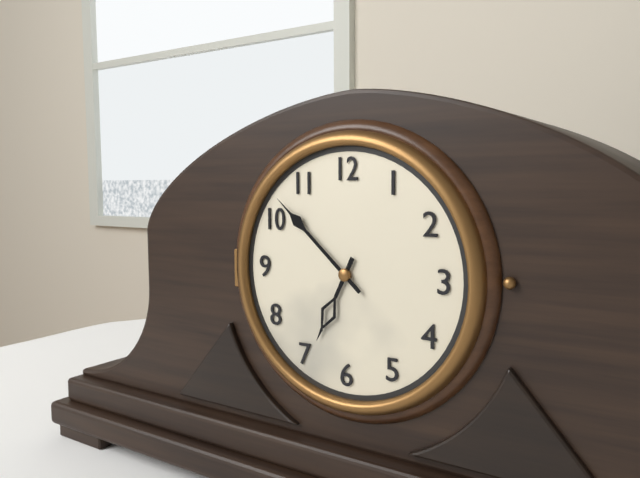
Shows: h=6 m=52
